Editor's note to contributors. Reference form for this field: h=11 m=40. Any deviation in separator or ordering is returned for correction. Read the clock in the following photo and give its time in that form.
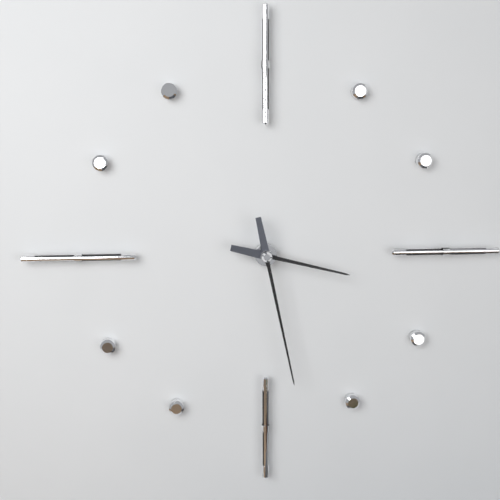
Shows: h=3 m=28
